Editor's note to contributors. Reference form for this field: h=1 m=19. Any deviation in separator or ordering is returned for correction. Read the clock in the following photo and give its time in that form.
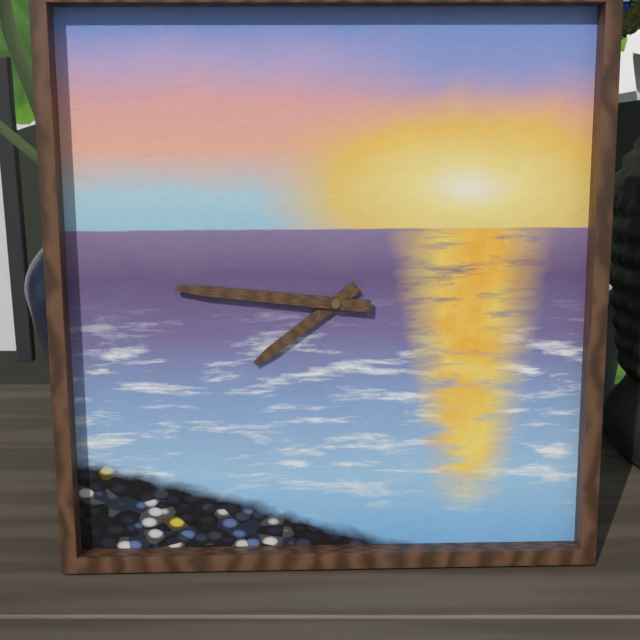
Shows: h=7 m=46
